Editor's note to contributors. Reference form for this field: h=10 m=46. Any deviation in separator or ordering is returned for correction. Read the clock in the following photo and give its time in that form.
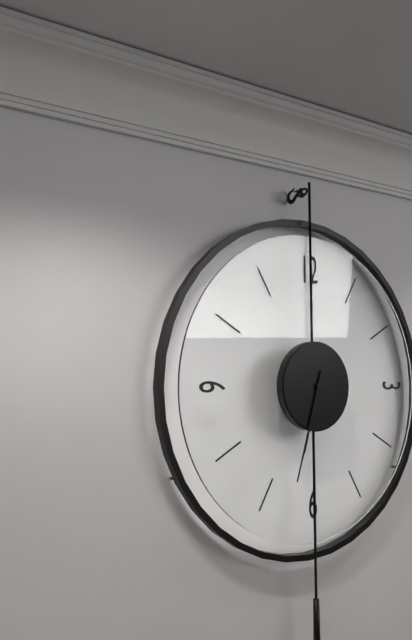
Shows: h=6 m=33
